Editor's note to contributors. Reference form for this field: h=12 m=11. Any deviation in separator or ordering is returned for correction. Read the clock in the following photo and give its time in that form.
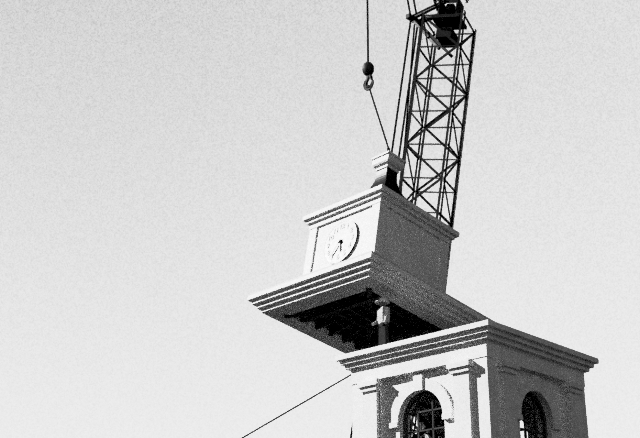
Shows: h=5 m=36
